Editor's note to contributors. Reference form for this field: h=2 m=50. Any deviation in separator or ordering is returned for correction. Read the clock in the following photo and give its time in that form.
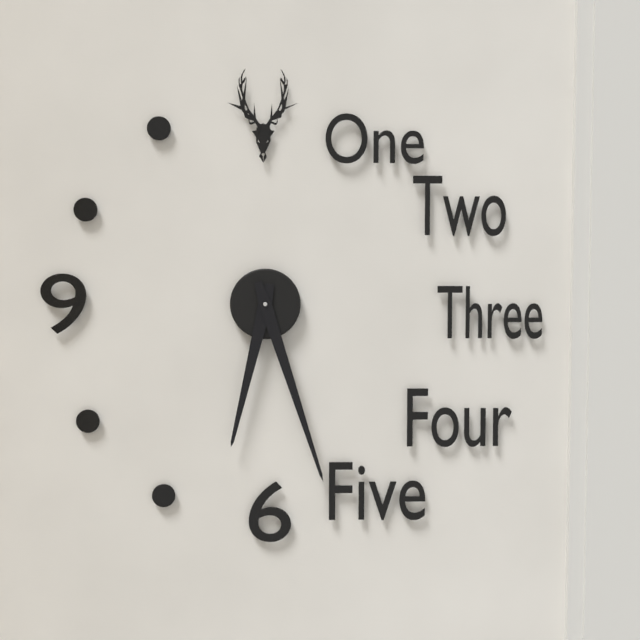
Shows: h=6 m=27
